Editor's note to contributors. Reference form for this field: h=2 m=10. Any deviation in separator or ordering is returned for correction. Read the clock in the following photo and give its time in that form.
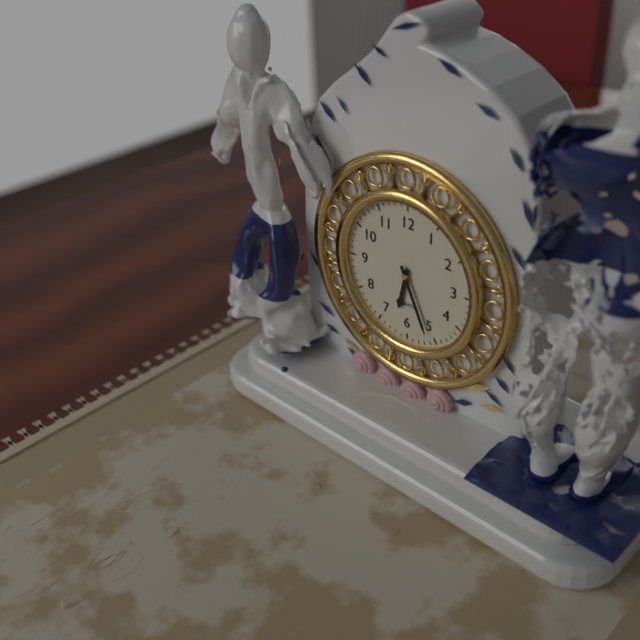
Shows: h=6 m=26
